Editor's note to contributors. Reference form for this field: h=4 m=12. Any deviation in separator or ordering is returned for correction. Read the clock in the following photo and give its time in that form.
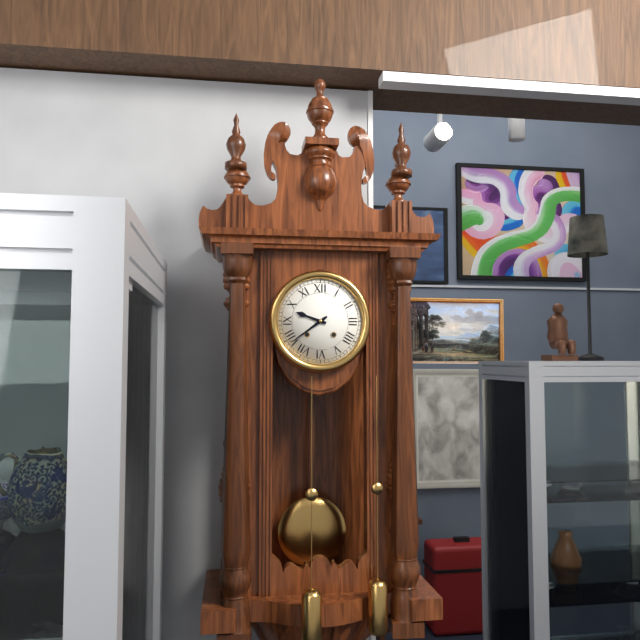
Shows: h=9 m=39
